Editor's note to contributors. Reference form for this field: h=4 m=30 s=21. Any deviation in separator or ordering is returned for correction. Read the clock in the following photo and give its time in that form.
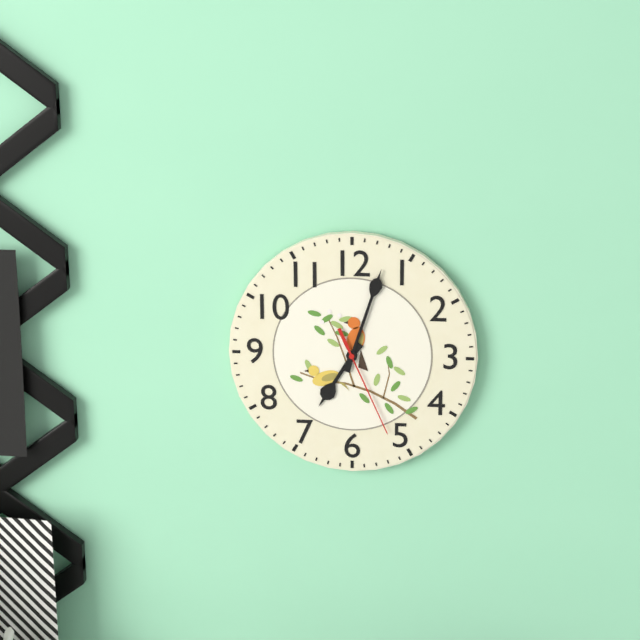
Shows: h=7 m=3 s=26
